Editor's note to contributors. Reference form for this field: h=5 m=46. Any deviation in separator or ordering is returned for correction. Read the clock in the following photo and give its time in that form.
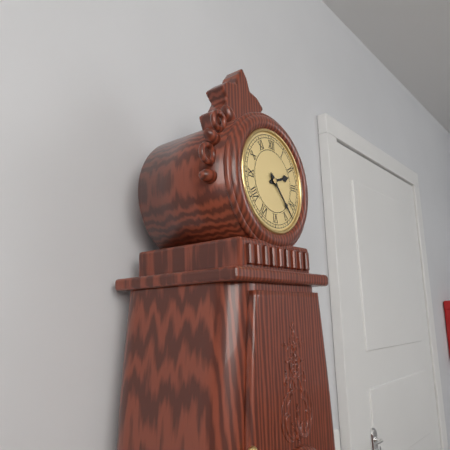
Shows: h=2 m=23
